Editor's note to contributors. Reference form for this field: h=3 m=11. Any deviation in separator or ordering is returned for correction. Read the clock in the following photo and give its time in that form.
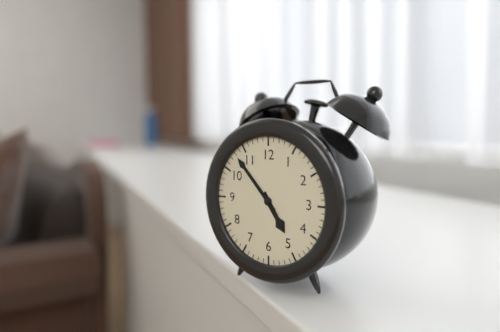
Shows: h=4 m=53
